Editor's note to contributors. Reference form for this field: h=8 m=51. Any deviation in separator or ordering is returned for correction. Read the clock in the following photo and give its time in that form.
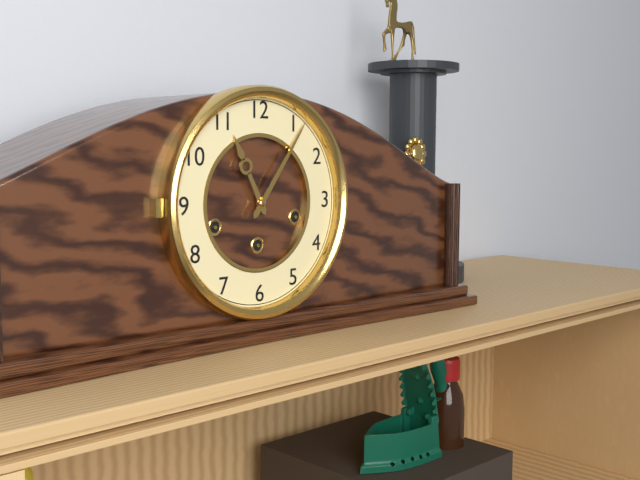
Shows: h=11 m=6
